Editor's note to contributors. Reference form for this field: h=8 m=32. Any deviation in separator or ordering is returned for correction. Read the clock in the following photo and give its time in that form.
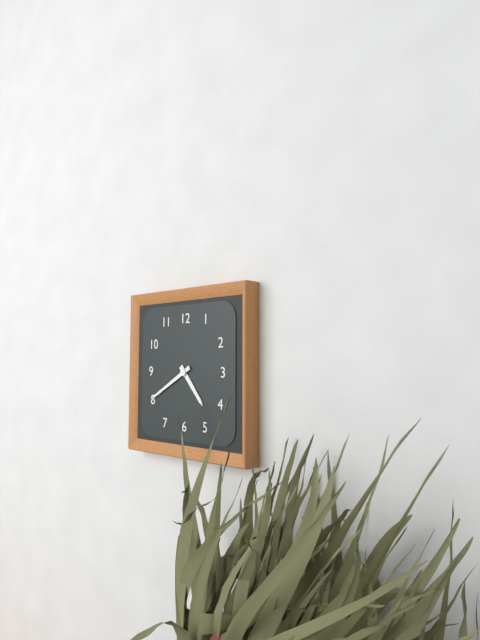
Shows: h=4 m=40
